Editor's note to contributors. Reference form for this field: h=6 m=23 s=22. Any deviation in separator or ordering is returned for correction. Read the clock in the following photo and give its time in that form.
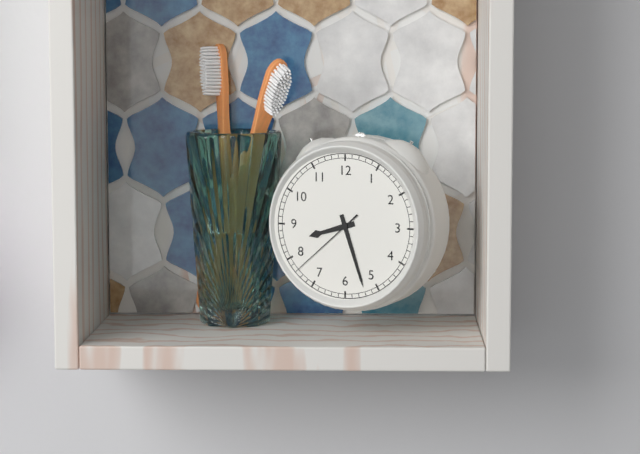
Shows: h=8 m=27 s=38
